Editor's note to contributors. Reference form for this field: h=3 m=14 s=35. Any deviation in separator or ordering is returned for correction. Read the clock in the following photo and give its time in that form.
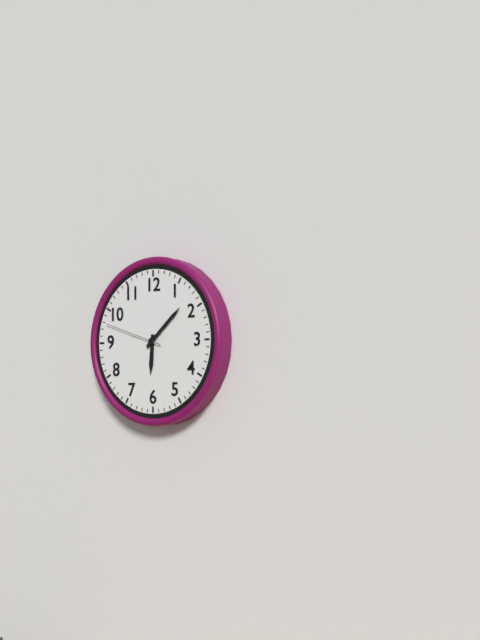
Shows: h=6 m=8 s=48
